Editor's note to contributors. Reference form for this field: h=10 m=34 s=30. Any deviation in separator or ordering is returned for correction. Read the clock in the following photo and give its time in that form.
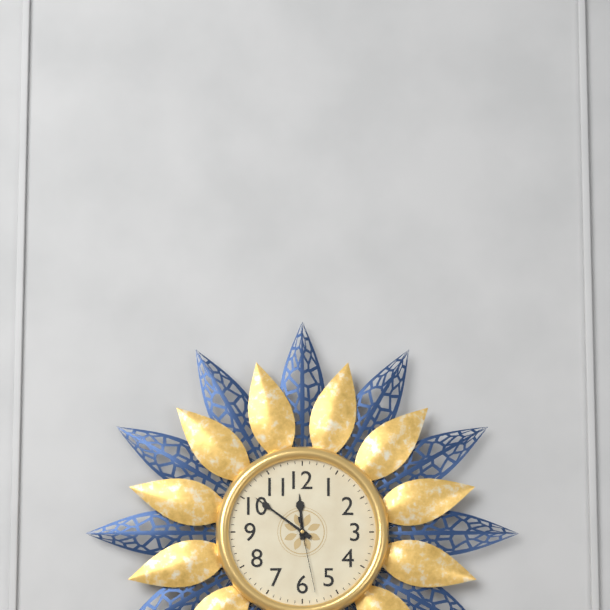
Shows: h=11 m=51 s=28
